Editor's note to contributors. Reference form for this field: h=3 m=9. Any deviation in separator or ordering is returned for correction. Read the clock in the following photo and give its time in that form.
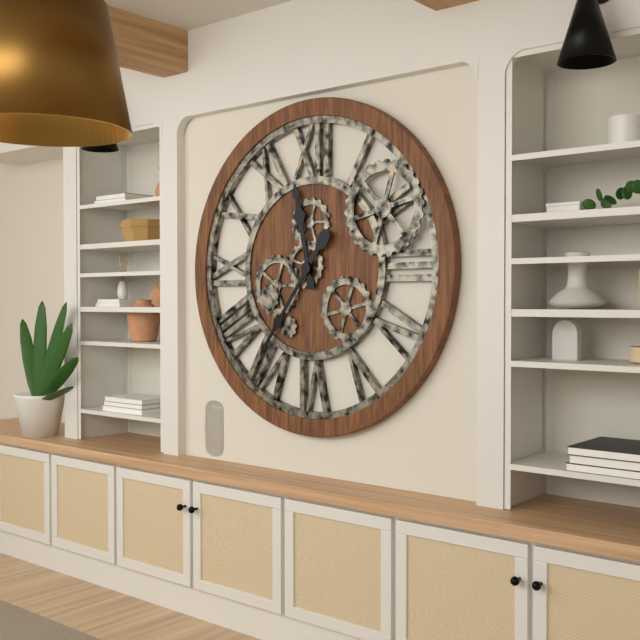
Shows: h=11 m=36
